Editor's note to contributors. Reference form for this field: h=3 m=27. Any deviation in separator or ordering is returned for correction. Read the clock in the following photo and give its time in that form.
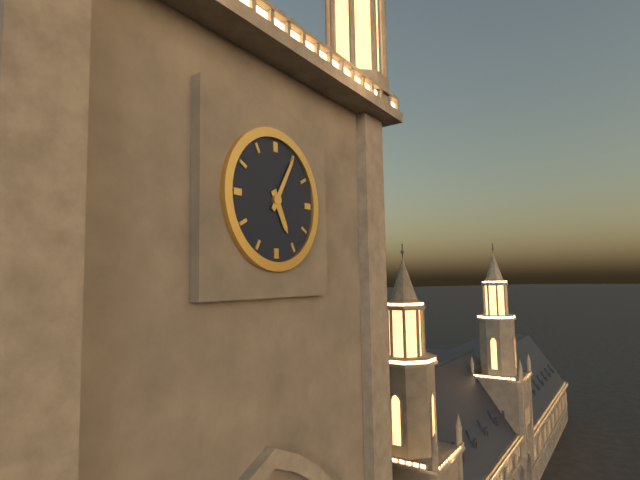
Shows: h=5 m=5
